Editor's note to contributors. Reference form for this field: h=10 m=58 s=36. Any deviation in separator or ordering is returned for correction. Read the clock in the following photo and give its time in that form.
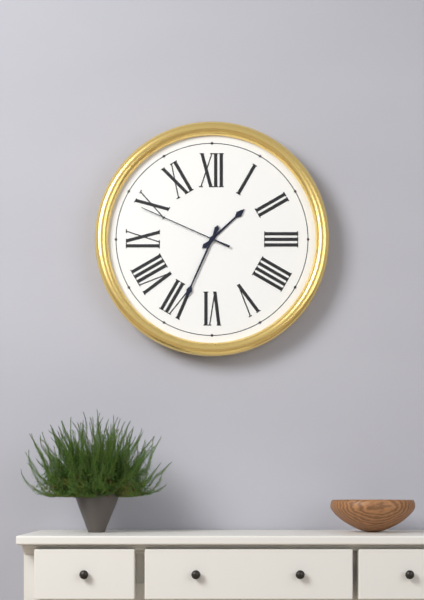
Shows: h=1 m=34 s=49
